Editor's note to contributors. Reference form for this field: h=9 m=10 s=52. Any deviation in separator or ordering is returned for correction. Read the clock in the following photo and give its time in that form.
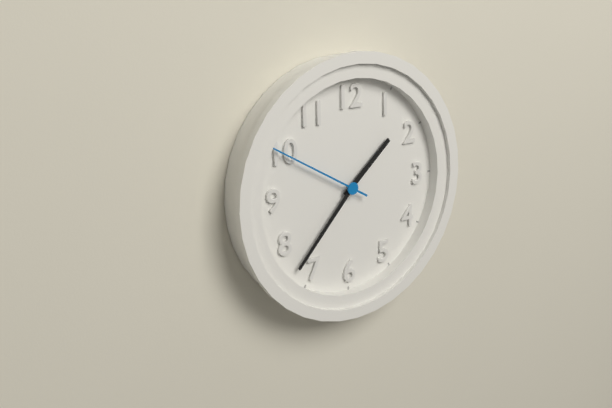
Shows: h=1 m=37 s=50
